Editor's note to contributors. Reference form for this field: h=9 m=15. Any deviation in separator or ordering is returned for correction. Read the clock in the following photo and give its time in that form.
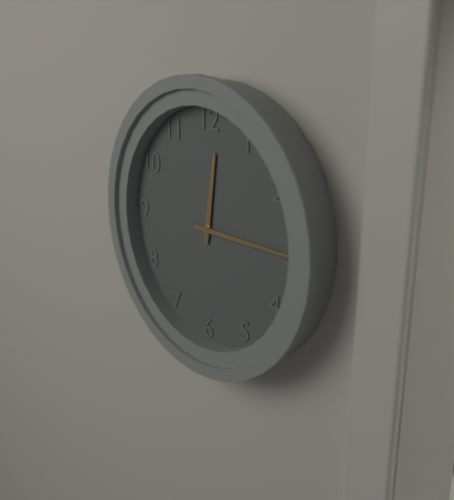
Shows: h=12 m=15
